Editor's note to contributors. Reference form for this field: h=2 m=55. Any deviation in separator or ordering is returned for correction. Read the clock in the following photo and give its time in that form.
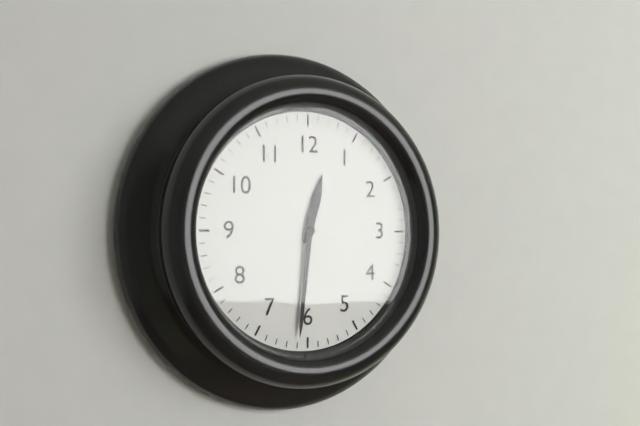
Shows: h=12 m=31
